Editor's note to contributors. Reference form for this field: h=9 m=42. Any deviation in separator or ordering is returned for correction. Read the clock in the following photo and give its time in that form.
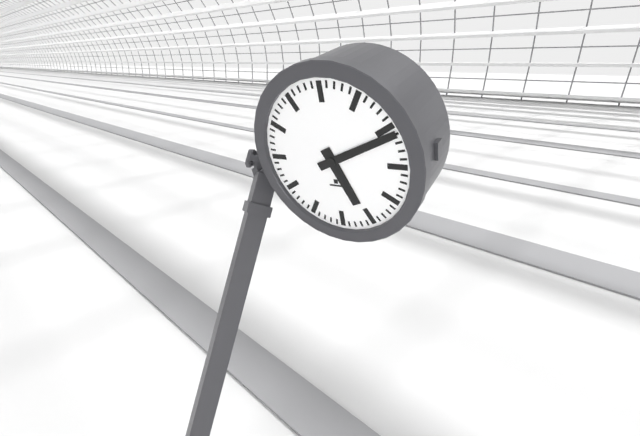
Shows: h=5 m=11
